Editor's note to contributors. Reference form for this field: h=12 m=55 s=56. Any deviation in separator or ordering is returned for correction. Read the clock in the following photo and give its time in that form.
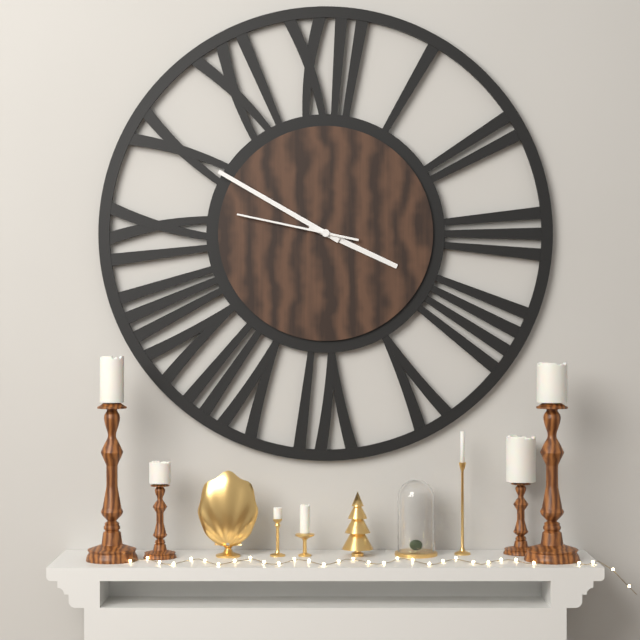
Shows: h=3 m=50 s=47
